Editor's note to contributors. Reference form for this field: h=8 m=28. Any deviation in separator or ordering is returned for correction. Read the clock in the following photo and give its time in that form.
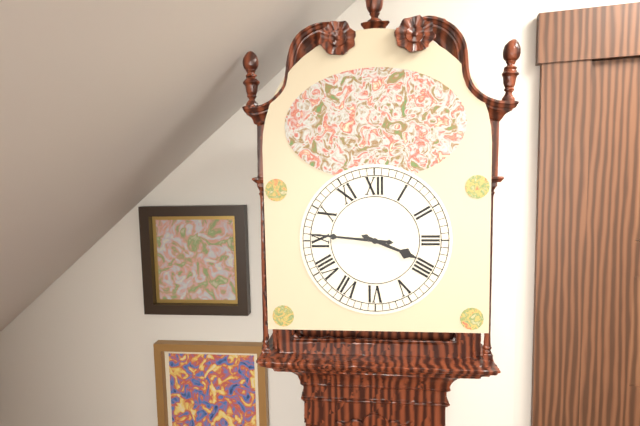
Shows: h=3 m=46
